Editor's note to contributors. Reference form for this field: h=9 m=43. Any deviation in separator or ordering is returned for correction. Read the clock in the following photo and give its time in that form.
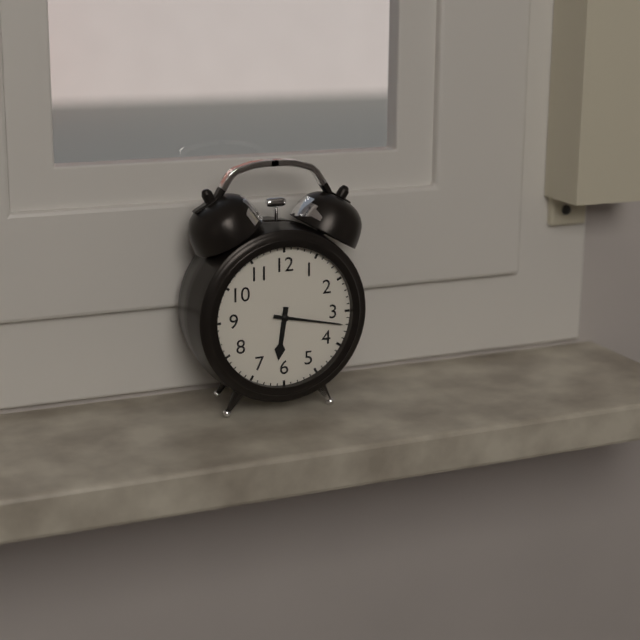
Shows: h=6 m=17
